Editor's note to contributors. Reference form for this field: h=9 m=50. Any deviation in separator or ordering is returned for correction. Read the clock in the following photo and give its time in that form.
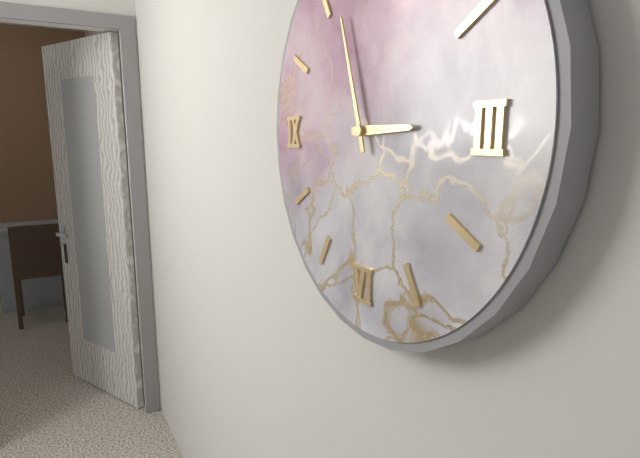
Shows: h=2 m=57
